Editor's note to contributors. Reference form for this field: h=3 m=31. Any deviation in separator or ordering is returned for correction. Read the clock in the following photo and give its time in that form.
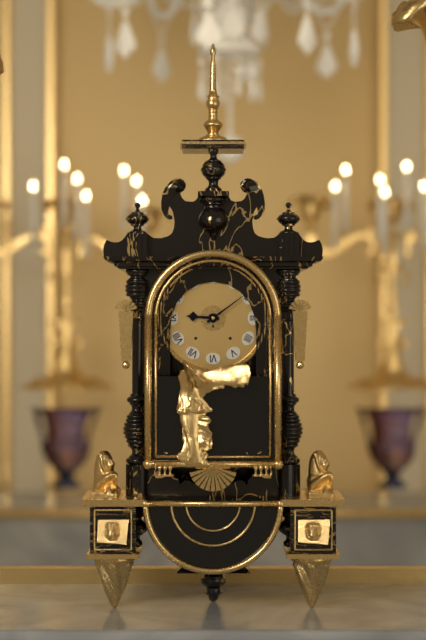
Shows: h=9 m=9
